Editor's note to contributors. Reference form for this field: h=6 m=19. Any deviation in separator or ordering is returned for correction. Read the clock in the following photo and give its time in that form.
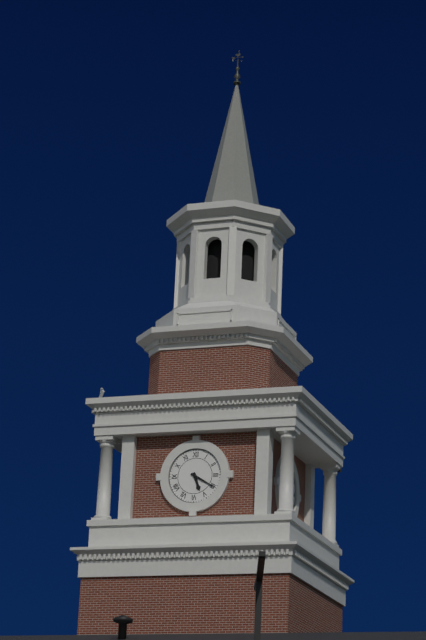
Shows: h=5 m=20
